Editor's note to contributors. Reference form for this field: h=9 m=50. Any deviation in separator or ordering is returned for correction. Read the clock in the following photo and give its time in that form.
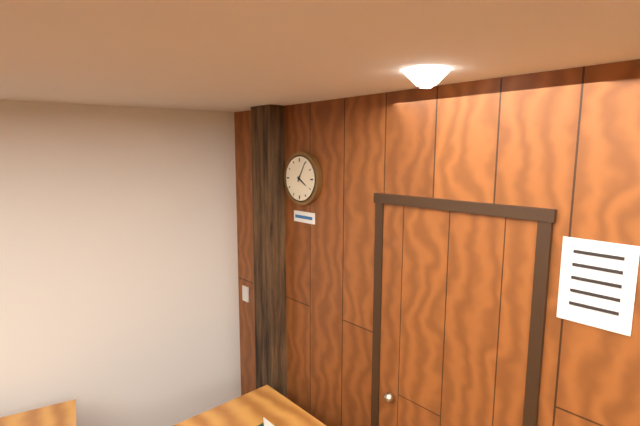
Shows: h=4 m=5
